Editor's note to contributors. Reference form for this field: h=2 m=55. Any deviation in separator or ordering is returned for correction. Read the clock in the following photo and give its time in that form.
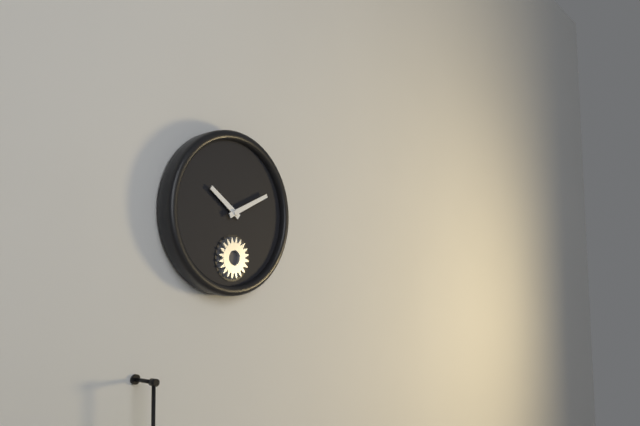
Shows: h=10 m=11
